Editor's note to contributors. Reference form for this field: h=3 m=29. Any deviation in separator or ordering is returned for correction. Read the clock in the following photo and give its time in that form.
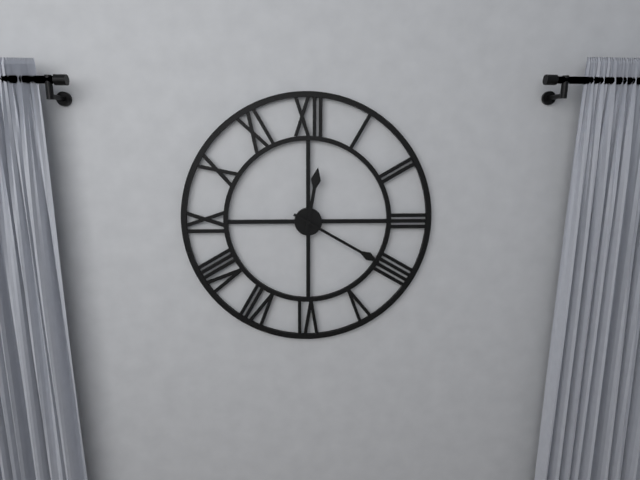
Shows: h=12 m=20
